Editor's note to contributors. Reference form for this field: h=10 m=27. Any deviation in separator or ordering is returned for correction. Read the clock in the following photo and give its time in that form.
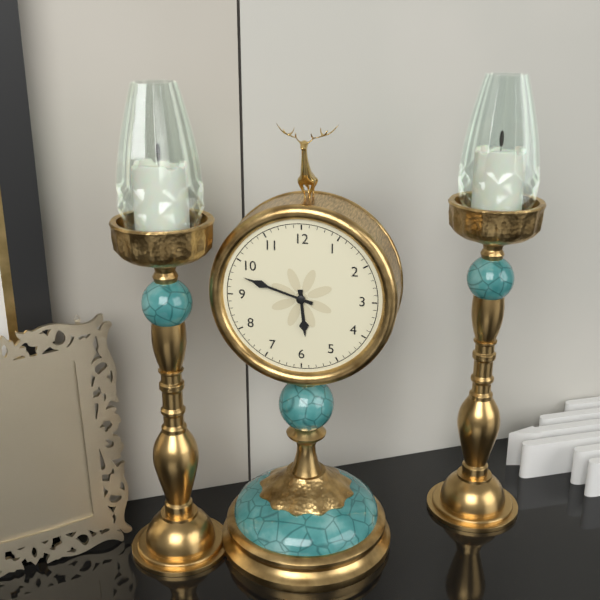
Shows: h=5 m=48
